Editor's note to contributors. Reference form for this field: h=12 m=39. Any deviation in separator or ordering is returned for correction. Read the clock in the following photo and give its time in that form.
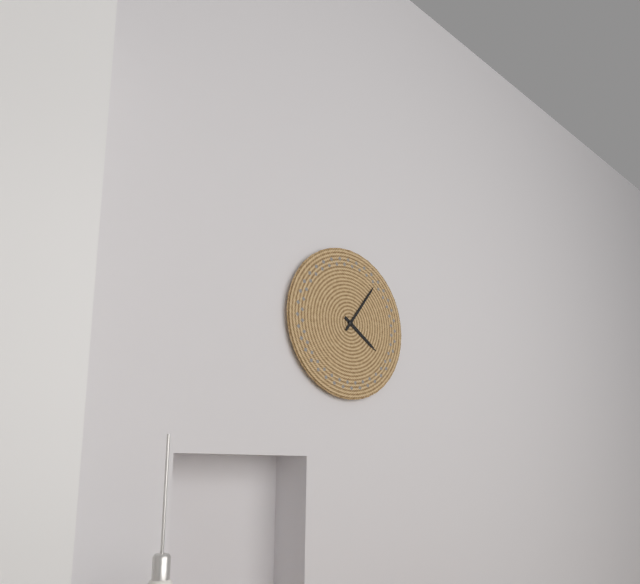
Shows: h=4 m=6
